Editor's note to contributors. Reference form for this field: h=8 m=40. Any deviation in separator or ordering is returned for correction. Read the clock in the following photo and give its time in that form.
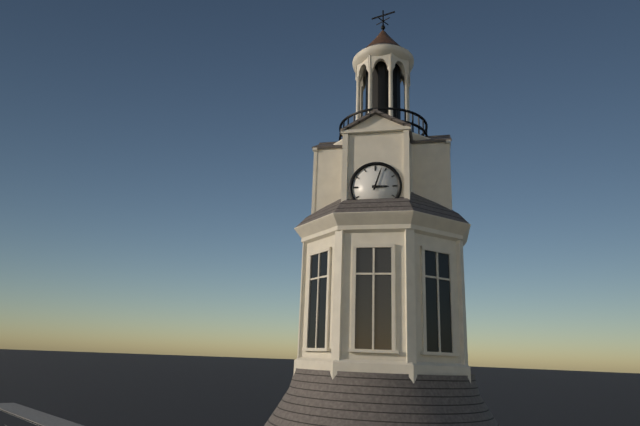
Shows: h=3 m=3
